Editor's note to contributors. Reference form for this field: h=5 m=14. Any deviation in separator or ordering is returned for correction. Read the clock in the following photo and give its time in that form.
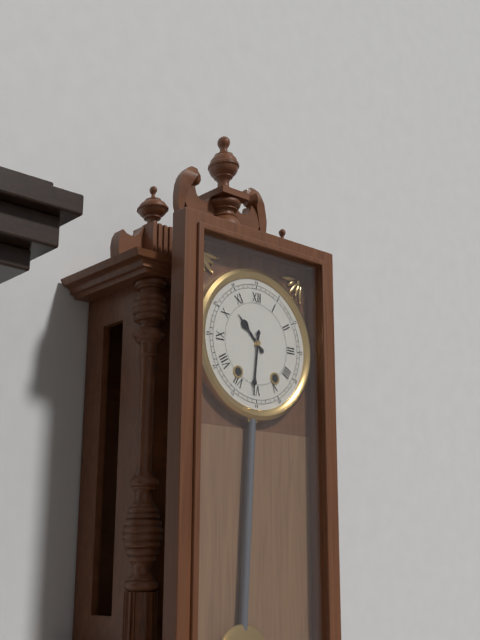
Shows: h=10 m=31
